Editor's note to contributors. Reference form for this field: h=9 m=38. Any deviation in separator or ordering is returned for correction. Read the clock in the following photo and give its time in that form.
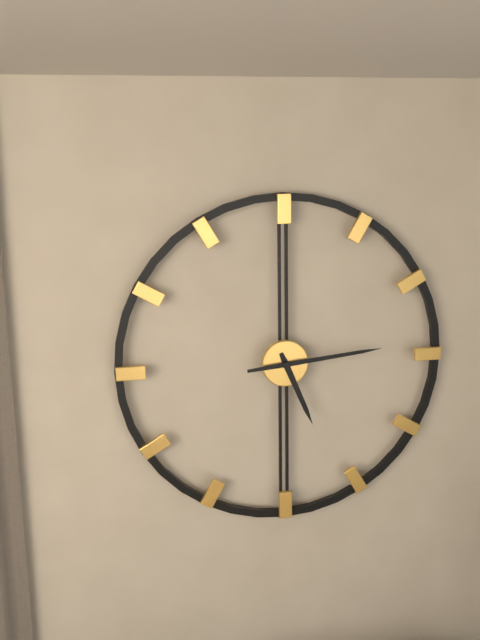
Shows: h=5 m=14
